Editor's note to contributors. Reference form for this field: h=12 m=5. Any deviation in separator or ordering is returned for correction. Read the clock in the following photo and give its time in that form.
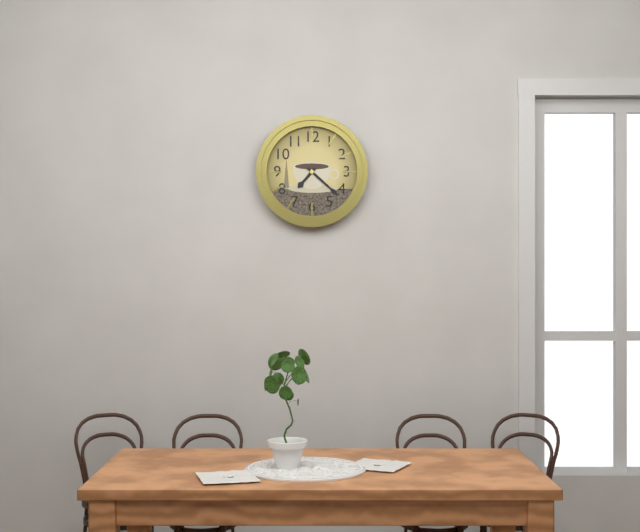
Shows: h=7 m=22
